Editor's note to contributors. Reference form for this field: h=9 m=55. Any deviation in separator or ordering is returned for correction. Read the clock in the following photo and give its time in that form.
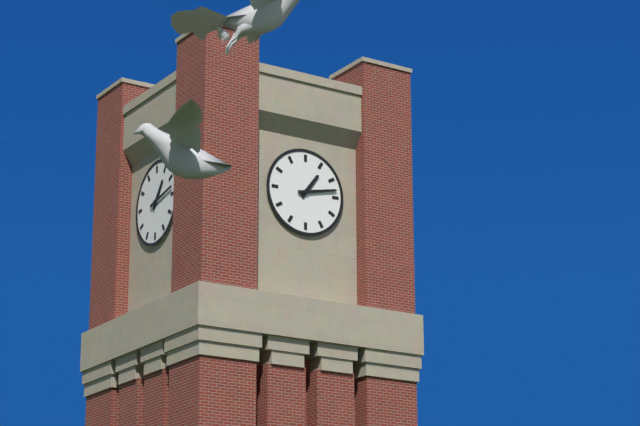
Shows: h=1 m=13
